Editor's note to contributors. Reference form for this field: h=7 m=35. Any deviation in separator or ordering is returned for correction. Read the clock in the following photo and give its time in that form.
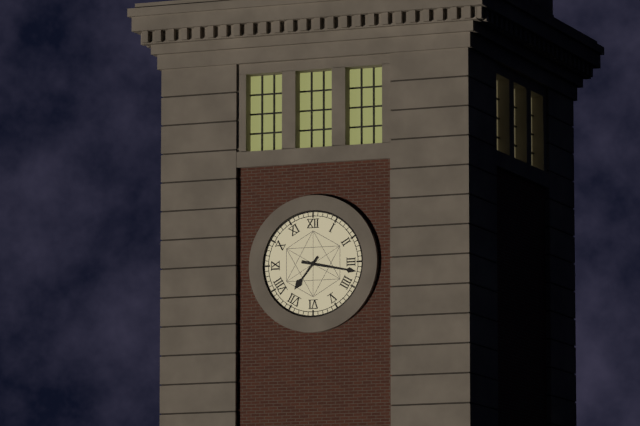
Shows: h=7 m=17
